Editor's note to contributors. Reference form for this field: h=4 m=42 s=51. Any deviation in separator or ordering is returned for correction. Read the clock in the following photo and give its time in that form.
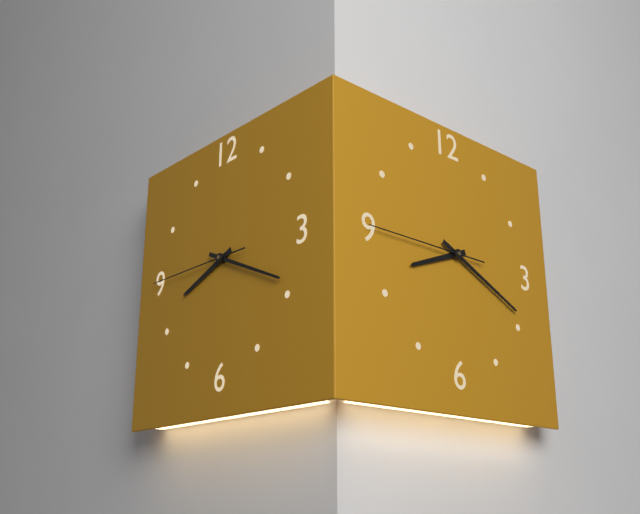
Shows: h=8 m=19 s=45
